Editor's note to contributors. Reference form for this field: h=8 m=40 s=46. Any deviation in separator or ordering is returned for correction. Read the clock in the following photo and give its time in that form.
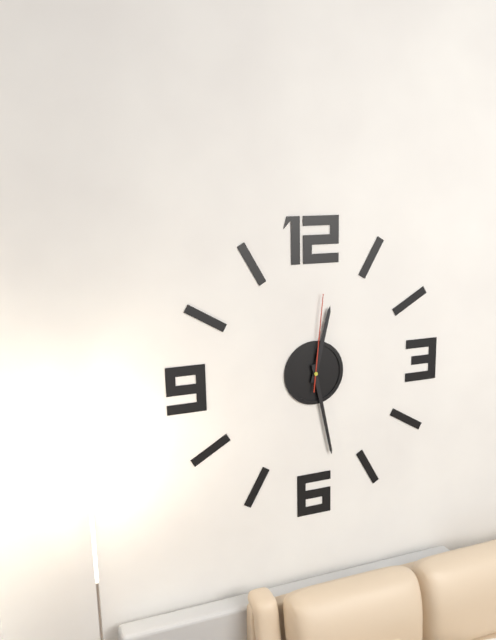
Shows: h=12 m=28 s=1
